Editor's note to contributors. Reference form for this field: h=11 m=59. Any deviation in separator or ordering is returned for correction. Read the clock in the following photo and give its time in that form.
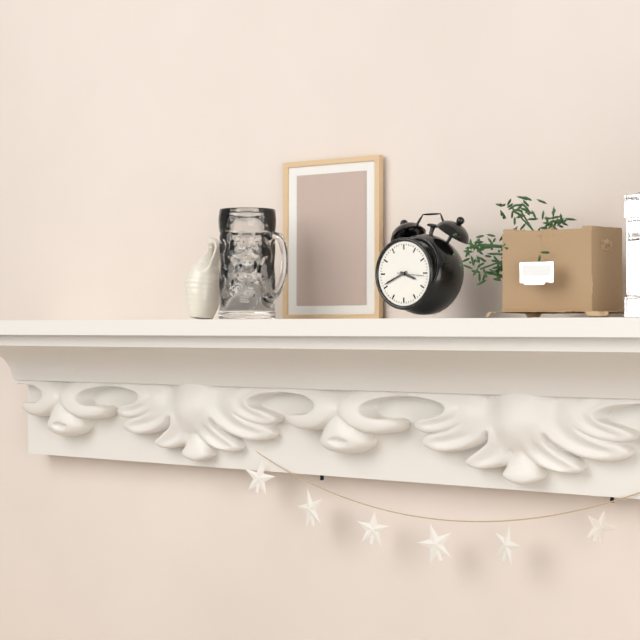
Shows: h=3 m=41
